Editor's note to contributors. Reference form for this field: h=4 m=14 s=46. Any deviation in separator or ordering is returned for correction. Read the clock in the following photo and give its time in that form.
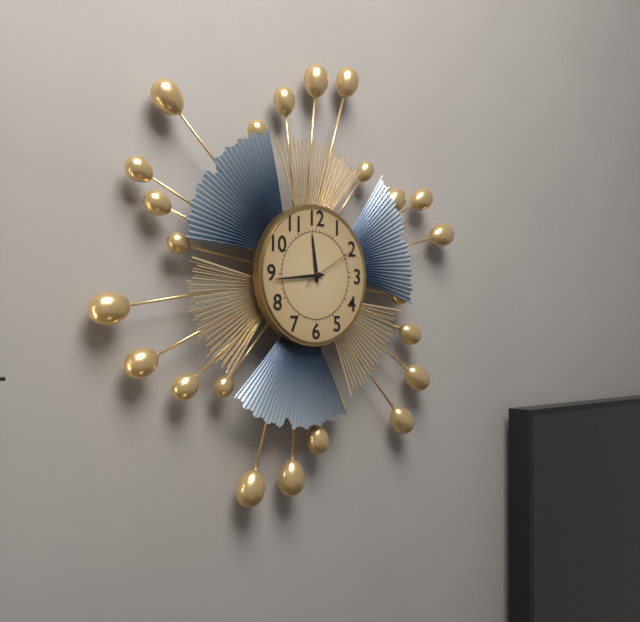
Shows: h=11 m=44 s=10
